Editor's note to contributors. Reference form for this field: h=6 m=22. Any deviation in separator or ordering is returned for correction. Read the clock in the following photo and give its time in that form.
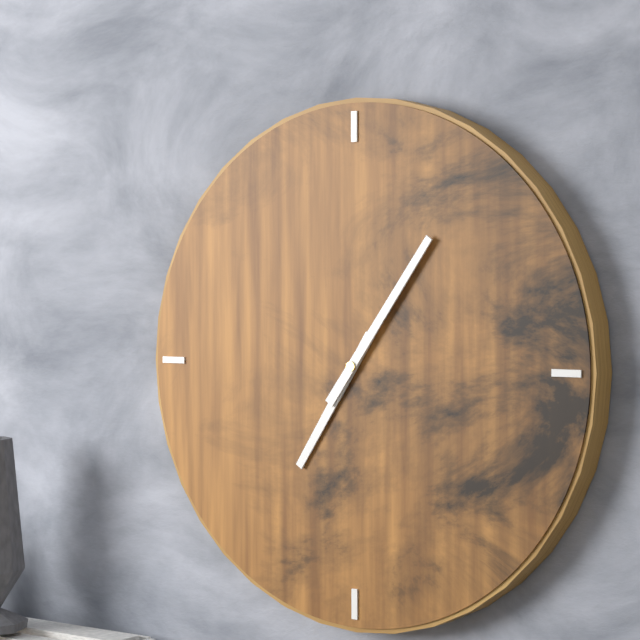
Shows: h=7 m=6
